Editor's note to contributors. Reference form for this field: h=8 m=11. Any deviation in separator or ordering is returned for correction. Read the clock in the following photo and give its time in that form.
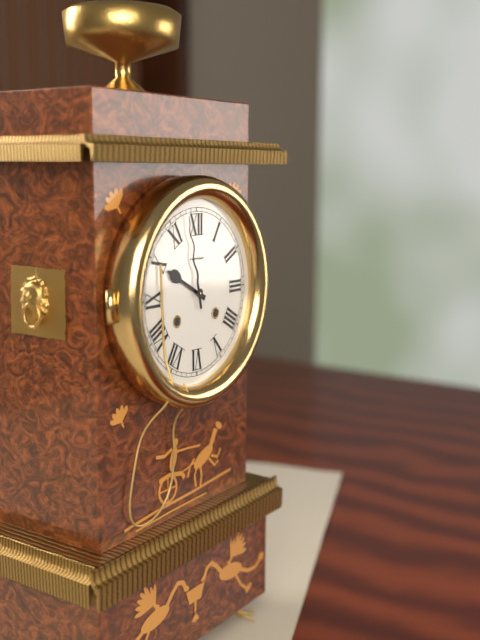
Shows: h=9 m=58
